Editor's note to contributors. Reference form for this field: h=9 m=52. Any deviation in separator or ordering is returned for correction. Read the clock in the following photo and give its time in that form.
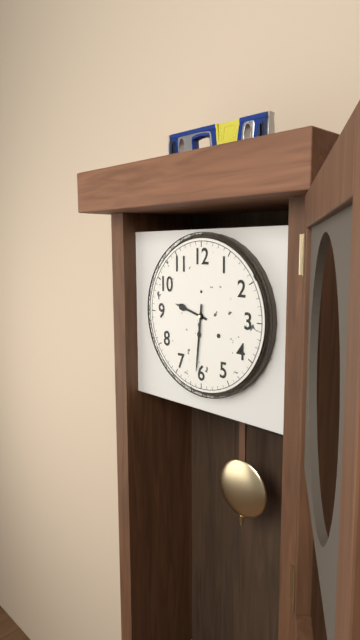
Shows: h=9 m=31
